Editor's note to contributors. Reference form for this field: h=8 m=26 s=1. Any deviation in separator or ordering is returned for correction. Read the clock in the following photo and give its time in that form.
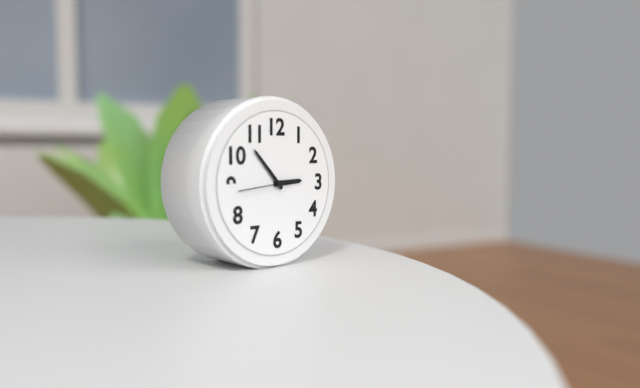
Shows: h=2 m=53 s=44
